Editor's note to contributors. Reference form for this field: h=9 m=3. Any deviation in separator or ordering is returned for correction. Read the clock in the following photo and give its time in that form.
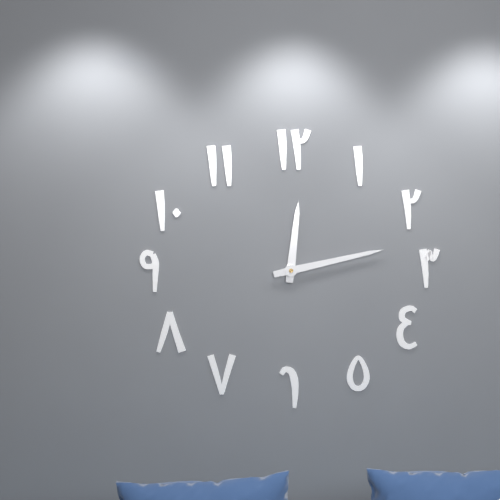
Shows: h=12 m=13
